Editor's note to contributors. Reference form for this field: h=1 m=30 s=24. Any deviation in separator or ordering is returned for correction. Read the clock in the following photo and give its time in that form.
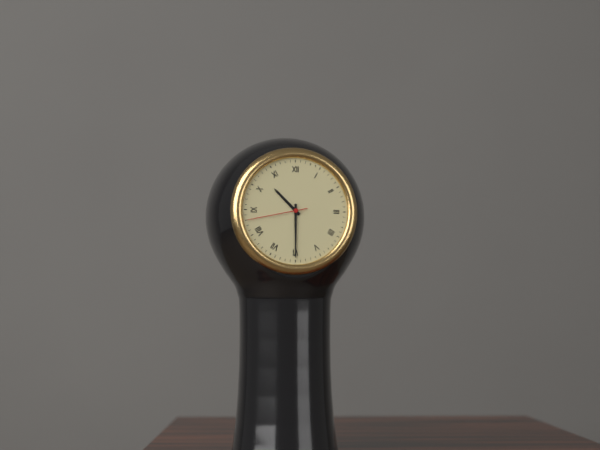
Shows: h=10 m=30 s=43
